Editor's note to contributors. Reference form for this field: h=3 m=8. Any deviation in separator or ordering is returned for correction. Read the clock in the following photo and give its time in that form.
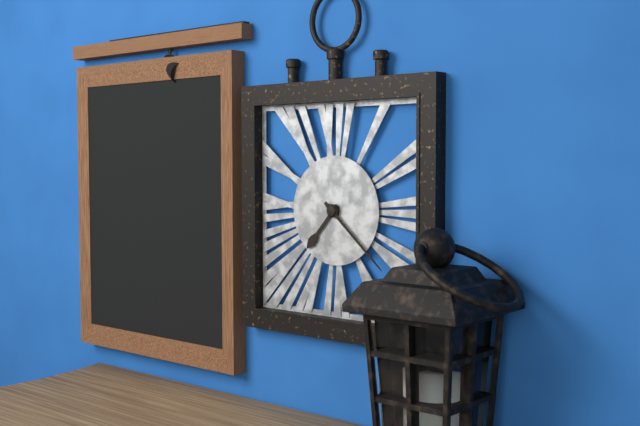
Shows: h=7 m=22
